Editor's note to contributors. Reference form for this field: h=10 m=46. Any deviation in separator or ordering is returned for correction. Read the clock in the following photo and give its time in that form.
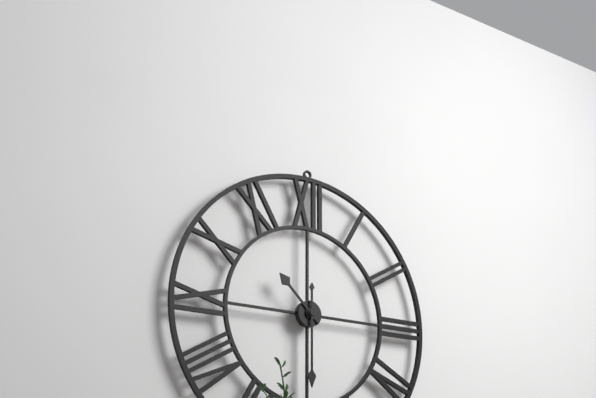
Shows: h=10 m=30
